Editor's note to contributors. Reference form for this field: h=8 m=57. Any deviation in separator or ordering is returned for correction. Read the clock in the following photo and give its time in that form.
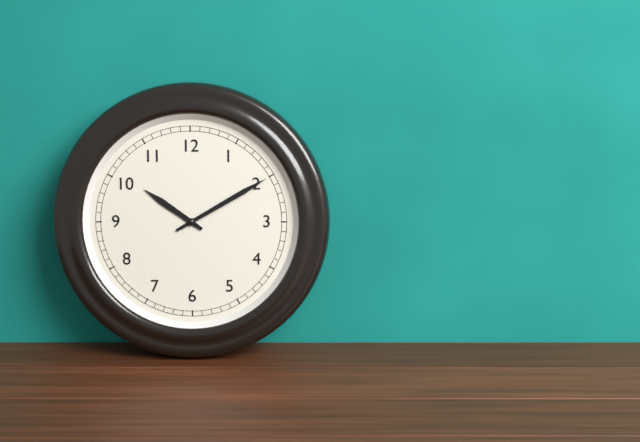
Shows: h=10 m=10
